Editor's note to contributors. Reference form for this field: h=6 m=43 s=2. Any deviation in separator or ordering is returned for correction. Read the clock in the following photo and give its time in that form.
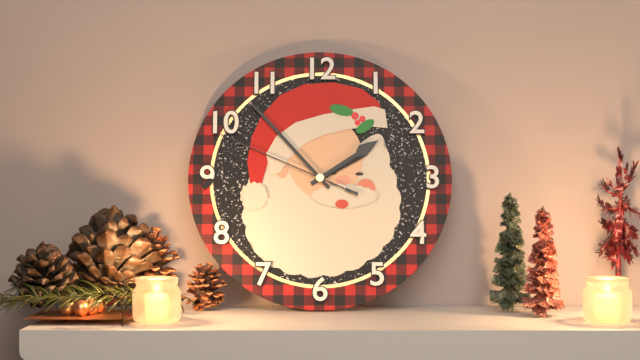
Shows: h=1 m=53 s=49
